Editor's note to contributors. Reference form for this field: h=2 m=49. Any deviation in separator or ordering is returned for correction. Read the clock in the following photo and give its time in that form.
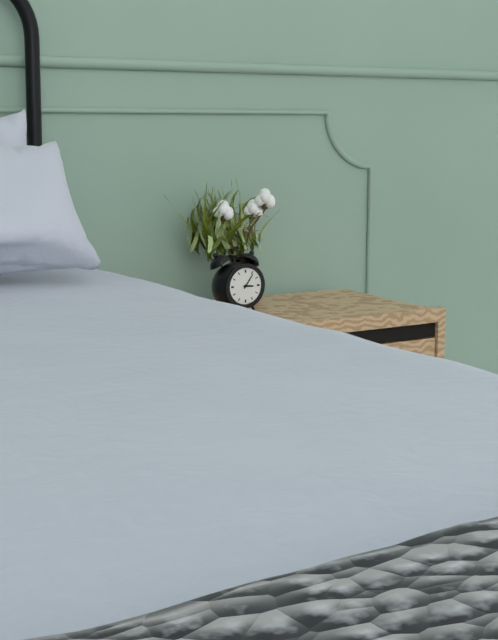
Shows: h=3 m=6
